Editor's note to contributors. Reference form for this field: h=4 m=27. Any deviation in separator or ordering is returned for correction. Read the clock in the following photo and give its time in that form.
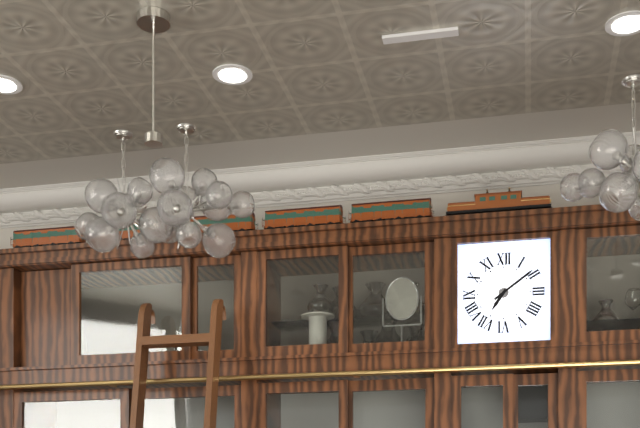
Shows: h=7 m=9
